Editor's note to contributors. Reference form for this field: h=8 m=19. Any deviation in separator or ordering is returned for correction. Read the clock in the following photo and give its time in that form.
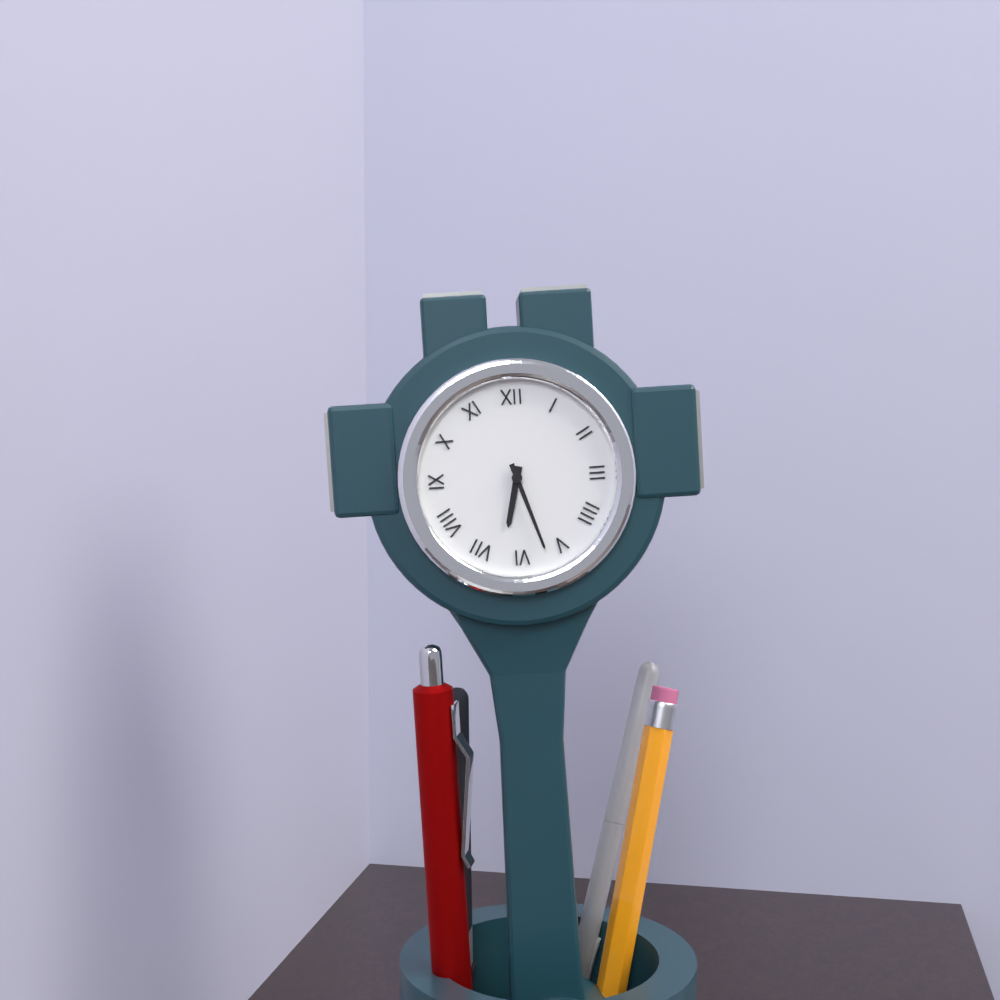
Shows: h=6 m=27
